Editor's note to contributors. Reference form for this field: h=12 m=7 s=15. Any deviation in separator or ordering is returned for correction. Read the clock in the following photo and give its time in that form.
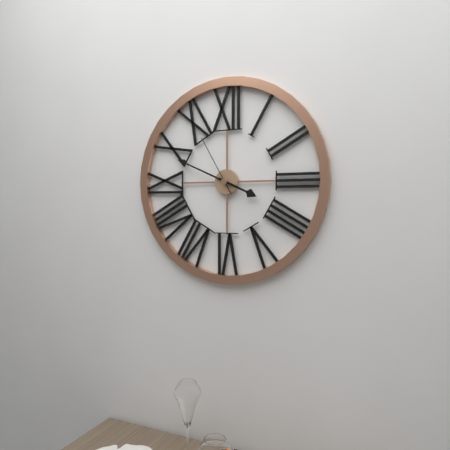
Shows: h=3 m=49 s=55
